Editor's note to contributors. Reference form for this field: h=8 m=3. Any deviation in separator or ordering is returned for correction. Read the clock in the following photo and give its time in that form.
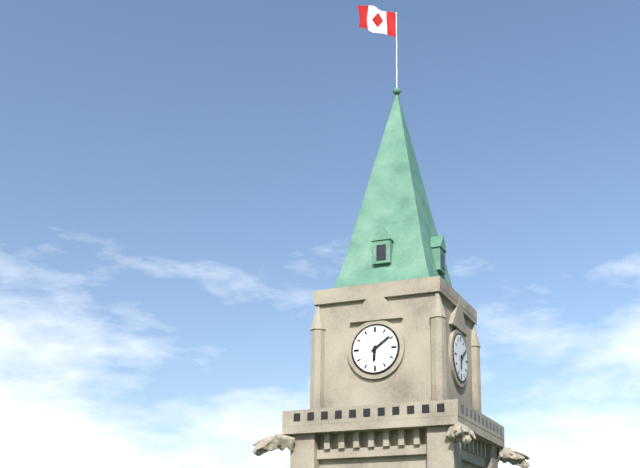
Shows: h=6 m=9
